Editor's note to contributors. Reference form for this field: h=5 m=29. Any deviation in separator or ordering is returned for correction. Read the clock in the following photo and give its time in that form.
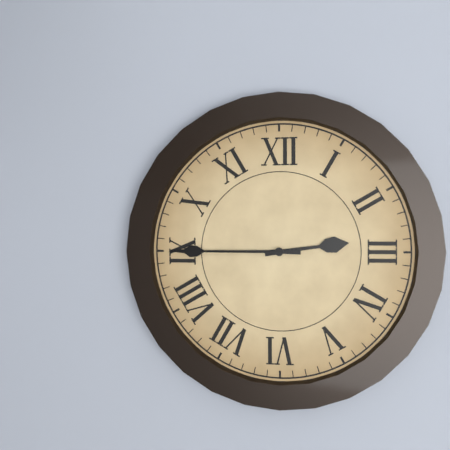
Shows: h=2 m=45
